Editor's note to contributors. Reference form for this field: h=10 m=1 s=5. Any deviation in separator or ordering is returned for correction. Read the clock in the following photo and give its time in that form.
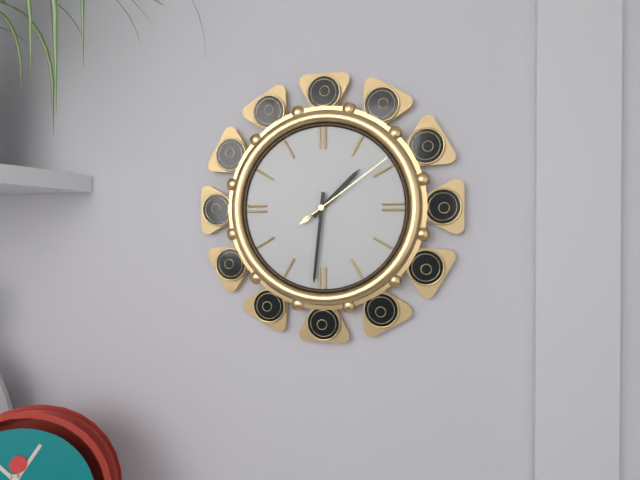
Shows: h=1 m=31 s=9
